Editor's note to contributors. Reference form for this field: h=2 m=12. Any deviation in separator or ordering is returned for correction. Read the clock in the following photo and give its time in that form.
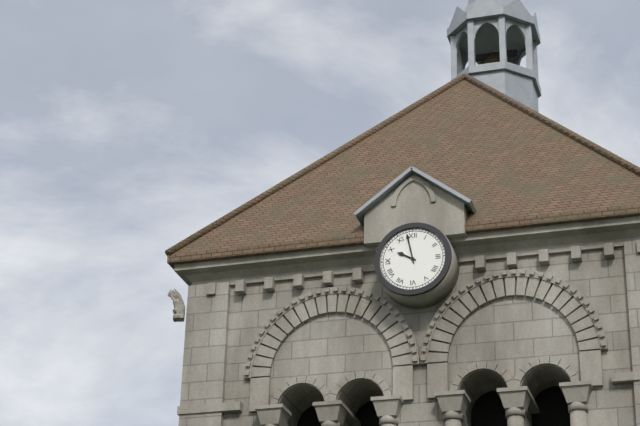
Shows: h=9 m=58
